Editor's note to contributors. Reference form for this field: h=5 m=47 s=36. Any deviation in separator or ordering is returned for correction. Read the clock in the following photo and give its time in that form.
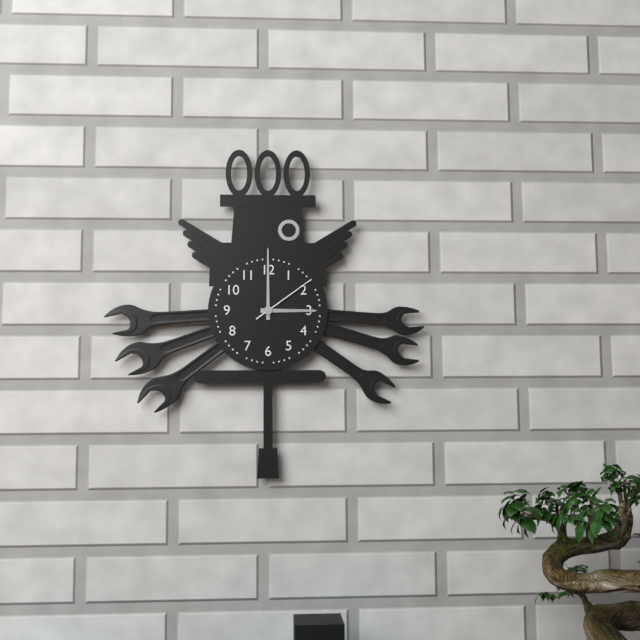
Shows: h=3 m=0 s=9
